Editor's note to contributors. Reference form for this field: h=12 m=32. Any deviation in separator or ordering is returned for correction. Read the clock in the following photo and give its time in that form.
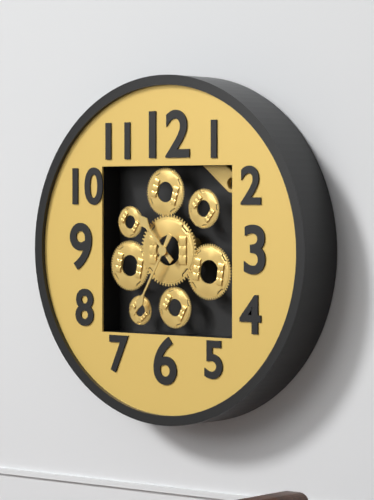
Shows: h=10 m=35
